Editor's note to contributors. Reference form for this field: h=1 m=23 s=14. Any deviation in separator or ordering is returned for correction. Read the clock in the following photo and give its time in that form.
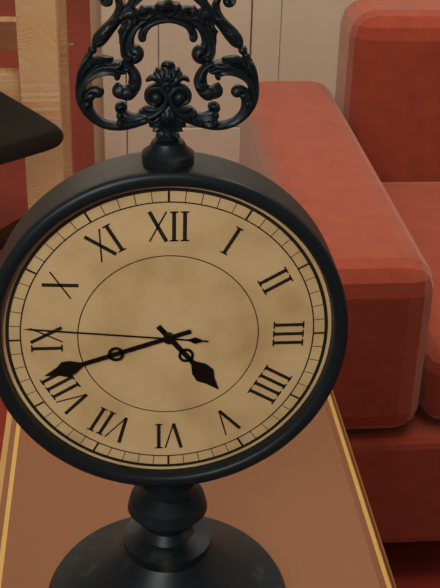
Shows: h=4 m=42 s=46
